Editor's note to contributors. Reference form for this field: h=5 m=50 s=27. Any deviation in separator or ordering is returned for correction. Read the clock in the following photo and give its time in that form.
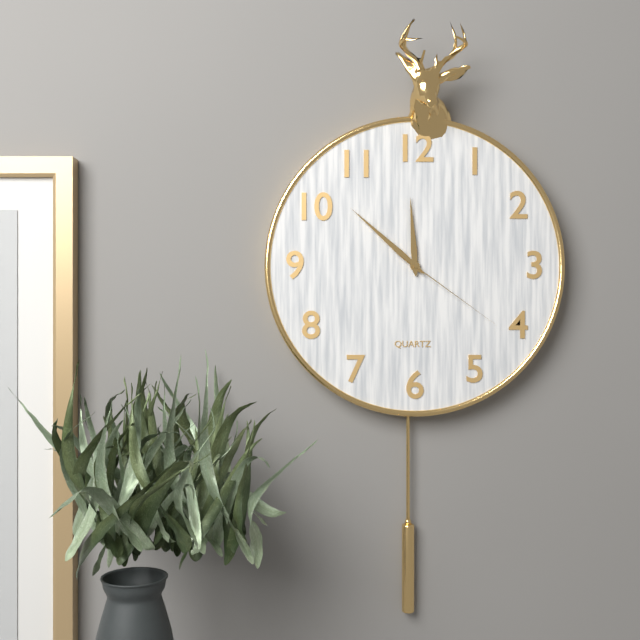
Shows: h=11 m=52 s=21
